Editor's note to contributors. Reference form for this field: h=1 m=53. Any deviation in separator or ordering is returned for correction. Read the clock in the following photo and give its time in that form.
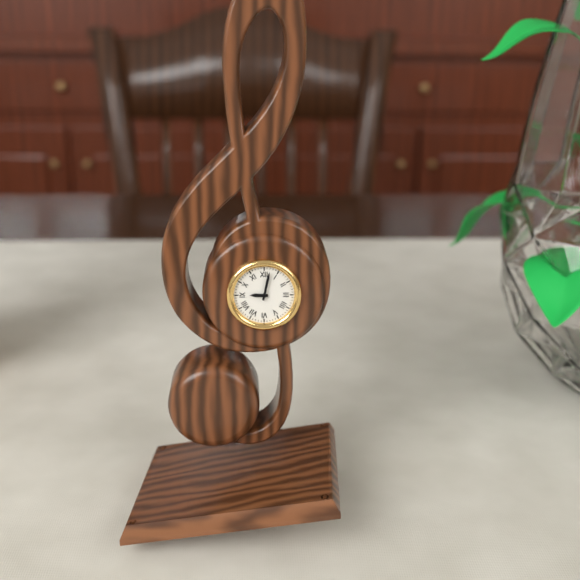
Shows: h=9 m=2
